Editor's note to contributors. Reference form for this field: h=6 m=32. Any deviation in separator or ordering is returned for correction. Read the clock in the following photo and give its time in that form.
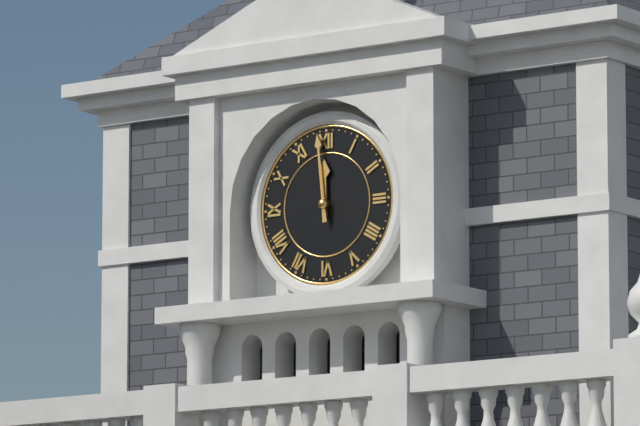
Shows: h=11 m=59
